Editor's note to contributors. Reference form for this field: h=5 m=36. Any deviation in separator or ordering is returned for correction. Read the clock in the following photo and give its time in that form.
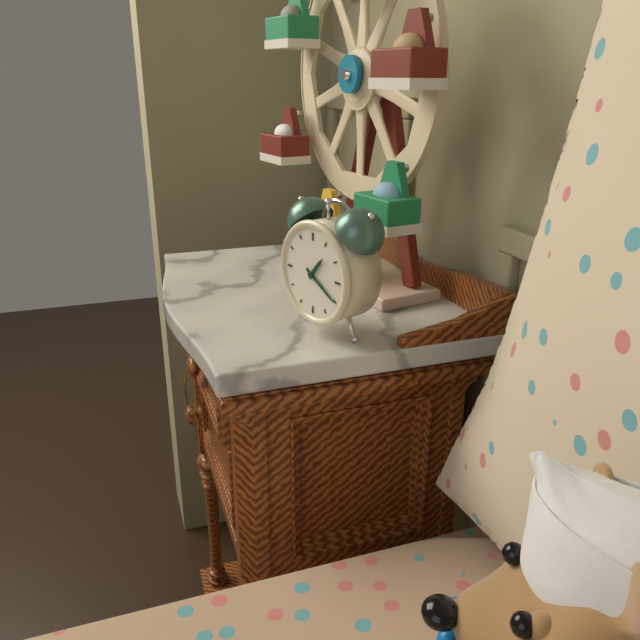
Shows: h=1 m=20
